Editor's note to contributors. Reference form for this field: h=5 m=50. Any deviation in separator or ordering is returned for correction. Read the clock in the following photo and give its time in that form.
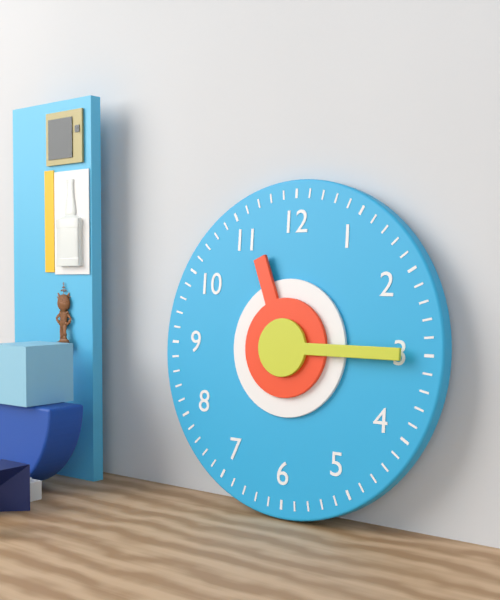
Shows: h=11 m=15
